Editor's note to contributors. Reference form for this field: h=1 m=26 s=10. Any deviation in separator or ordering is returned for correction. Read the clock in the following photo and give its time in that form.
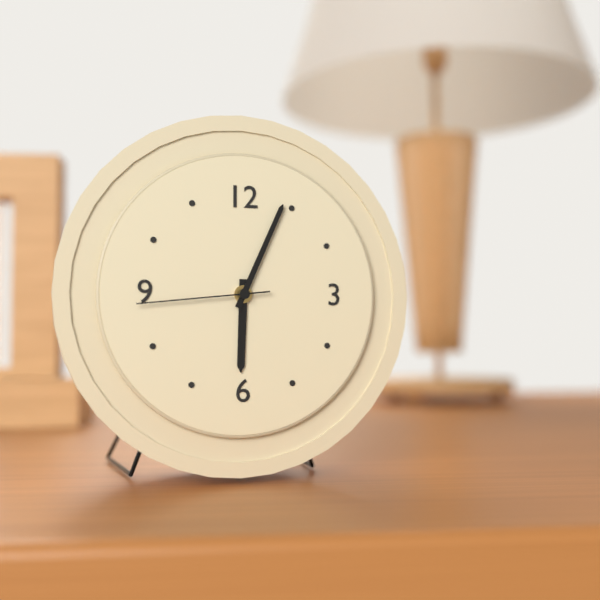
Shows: h=6 m=4 s=44
